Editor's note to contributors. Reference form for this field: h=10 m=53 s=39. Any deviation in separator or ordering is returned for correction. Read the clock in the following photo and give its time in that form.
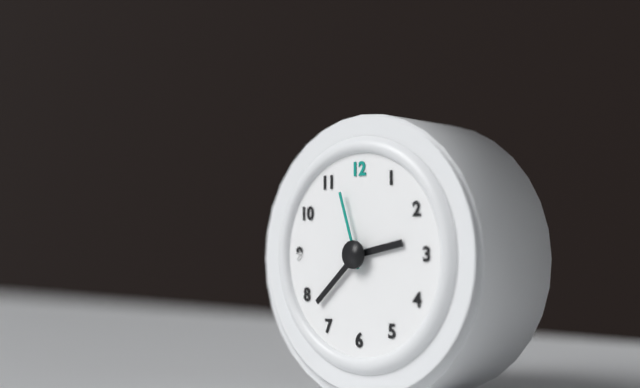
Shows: h=2 m=38 s=57
